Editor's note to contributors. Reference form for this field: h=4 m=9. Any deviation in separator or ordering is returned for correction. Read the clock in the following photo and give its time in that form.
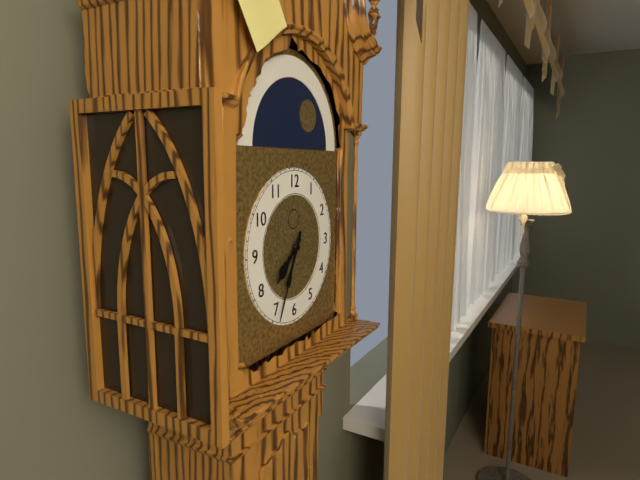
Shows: h=7 m=34
